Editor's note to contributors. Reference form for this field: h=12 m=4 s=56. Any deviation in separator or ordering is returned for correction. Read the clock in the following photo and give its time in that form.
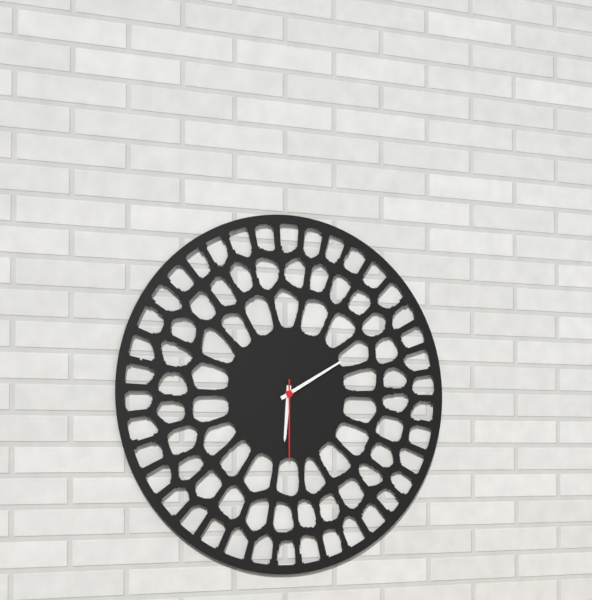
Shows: h=6 m=10 s=30
